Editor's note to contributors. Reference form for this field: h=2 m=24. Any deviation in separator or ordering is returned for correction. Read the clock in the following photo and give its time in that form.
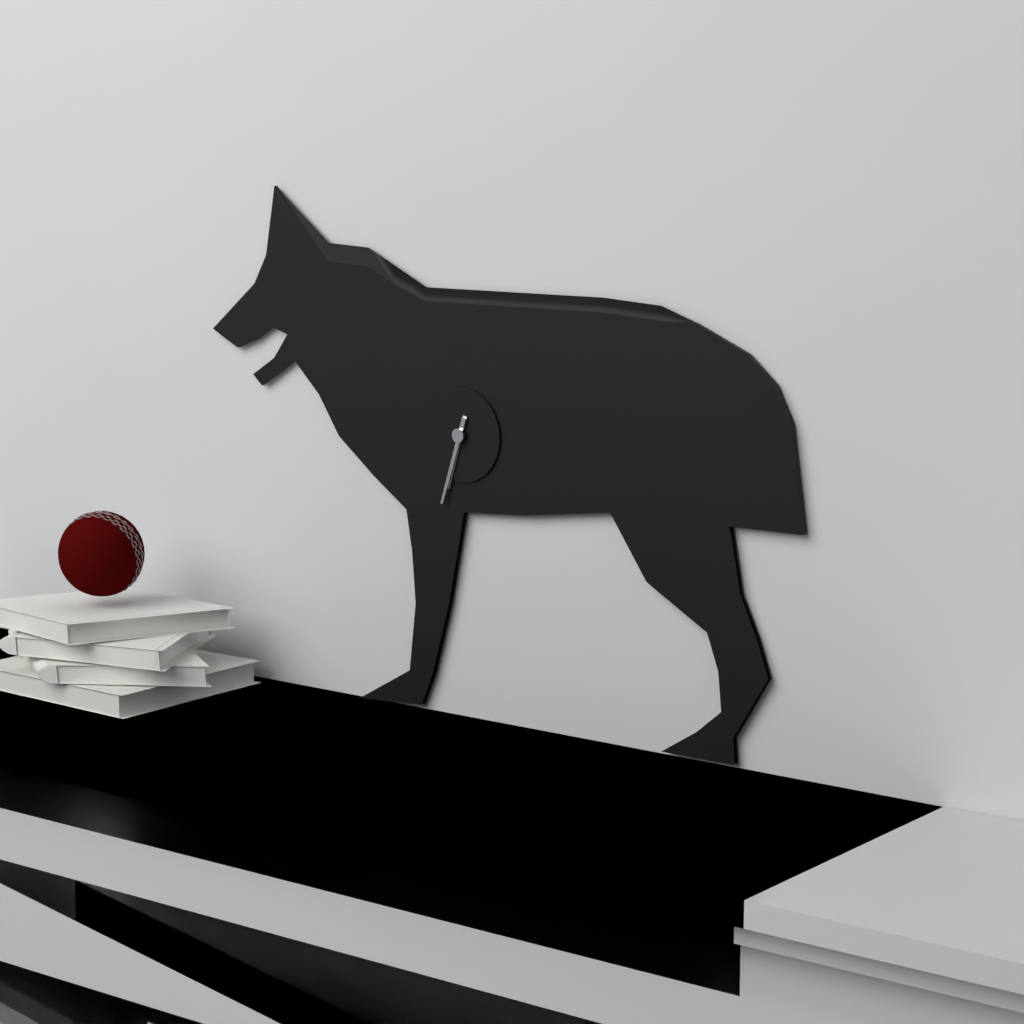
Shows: h=6 m=33
